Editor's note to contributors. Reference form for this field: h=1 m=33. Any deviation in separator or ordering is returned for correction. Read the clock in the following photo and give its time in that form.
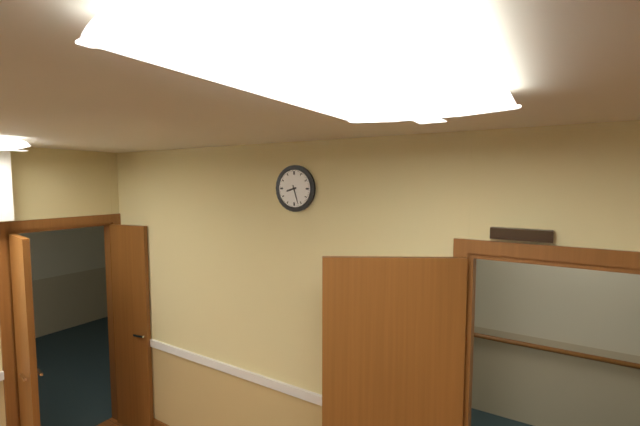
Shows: h=8 m=27
